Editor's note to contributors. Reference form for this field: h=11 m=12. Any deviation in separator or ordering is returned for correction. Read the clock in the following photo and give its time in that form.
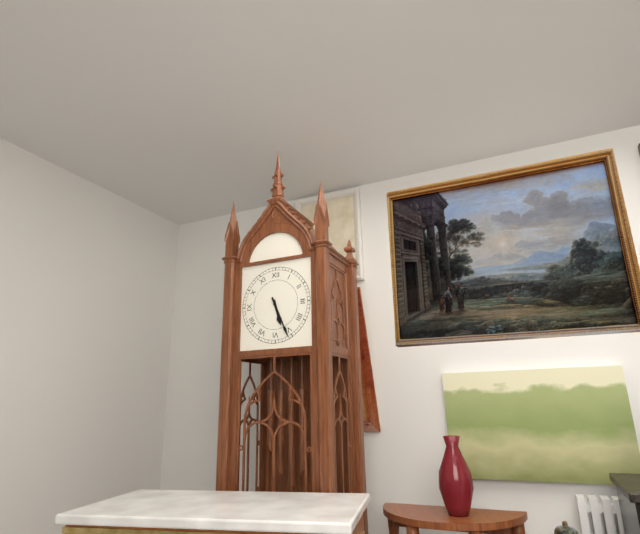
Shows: h=5 m=26
